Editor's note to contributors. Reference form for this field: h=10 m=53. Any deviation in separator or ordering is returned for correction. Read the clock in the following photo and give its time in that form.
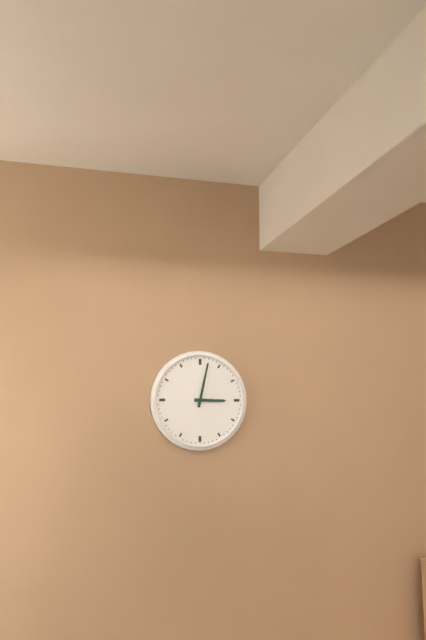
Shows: h=3 m=2
